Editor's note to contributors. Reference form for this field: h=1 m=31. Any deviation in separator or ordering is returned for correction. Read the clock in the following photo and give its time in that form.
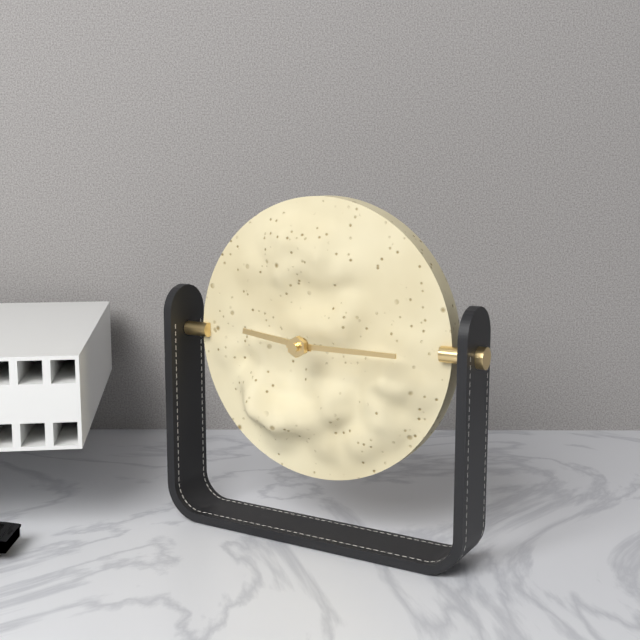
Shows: h=9 m=15
